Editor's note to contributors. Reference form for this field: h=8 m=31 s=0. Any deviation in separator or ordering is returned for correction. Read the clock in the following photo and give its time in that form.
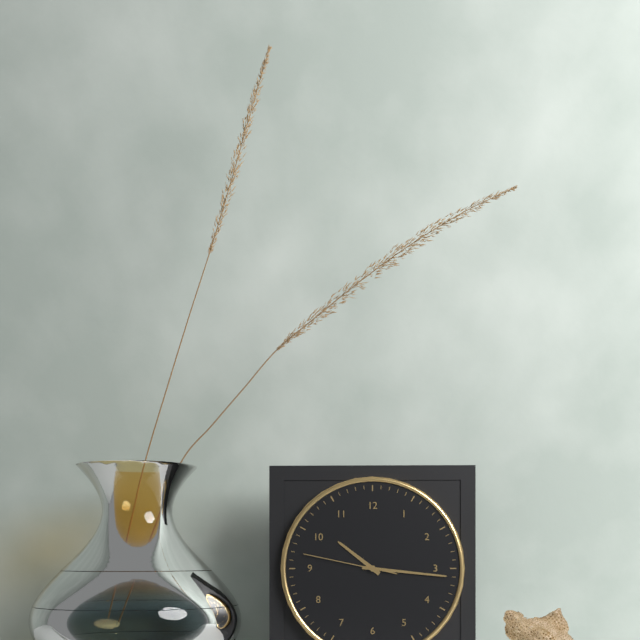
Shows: h=10 m=16 s=47
